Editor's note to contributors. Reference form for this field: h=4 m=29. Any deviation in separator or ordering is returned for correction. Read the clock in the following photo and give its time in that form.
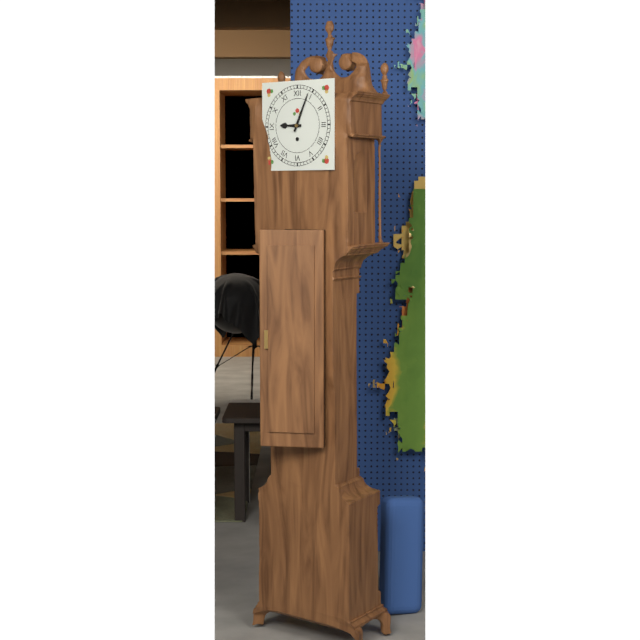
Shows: h=9 m=4
